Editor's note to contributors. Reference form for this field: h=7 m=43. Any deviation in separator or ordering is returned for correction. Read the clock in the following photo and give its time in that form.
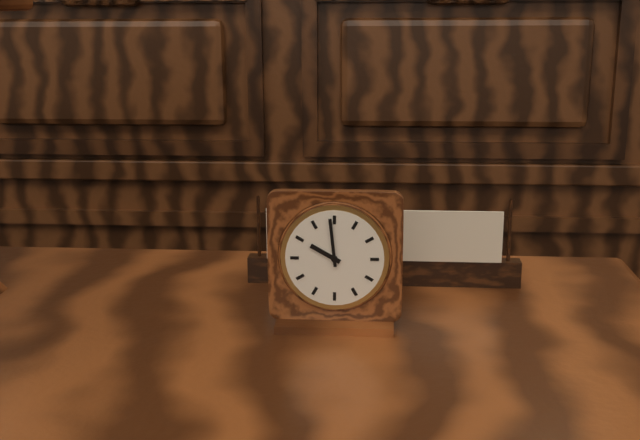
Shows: h=9 m=59
